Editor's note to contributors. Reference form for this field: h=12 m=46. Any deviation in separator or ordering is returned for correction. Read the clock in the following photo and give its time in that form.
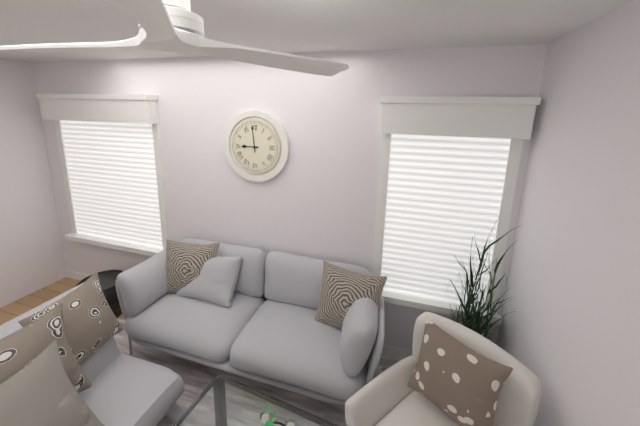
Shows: h=8 m=59
